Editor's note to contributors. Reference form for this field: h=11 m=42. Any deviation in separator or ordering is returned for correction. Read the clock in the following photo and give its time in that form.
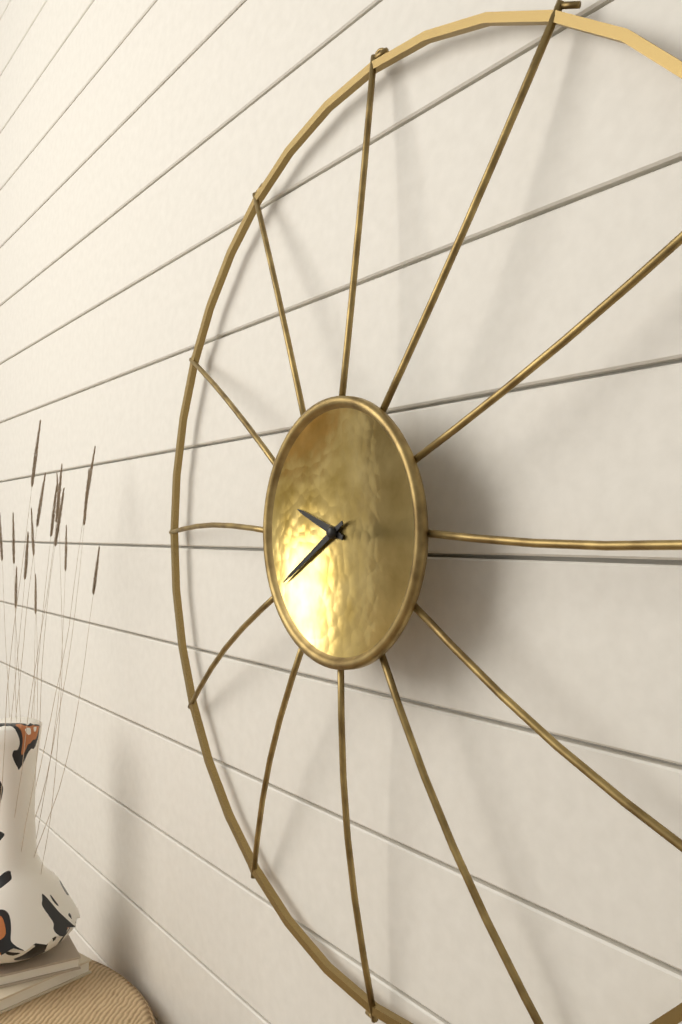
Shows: h=9 m=40
